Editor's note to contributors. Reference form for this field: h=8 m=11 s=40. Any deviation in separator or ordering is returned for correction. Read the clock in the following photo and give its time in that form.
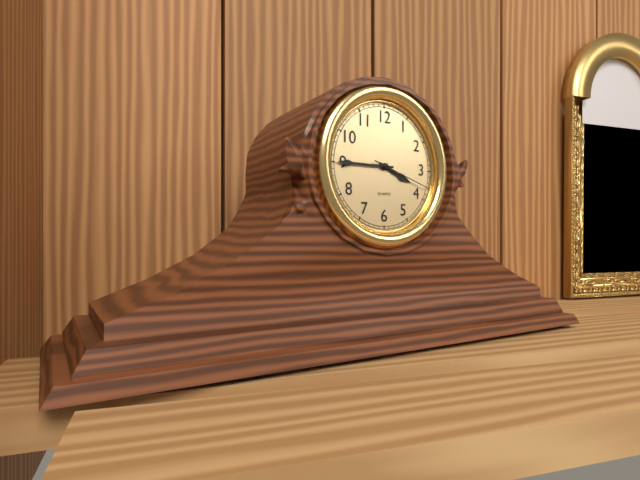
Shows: h=3 m=45 s=18
